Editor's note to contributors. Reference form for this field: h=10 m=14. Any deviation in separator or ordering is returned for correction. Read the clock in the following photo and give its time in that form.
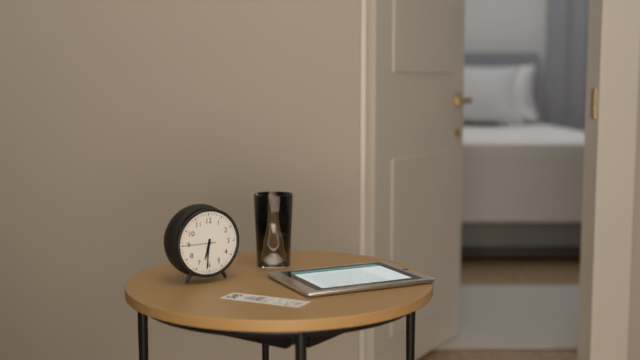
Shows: h=6 m=31
